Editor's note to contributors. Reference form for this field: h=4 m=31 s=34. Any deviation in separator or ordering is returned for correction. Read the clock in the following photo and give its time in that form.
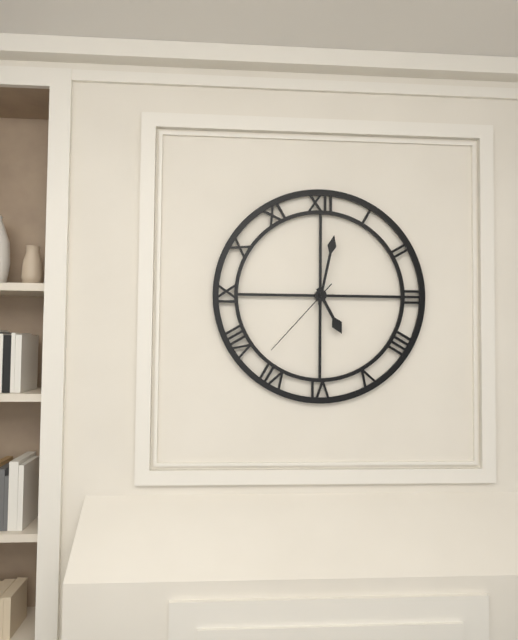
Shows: h=5 m=2 s=37
